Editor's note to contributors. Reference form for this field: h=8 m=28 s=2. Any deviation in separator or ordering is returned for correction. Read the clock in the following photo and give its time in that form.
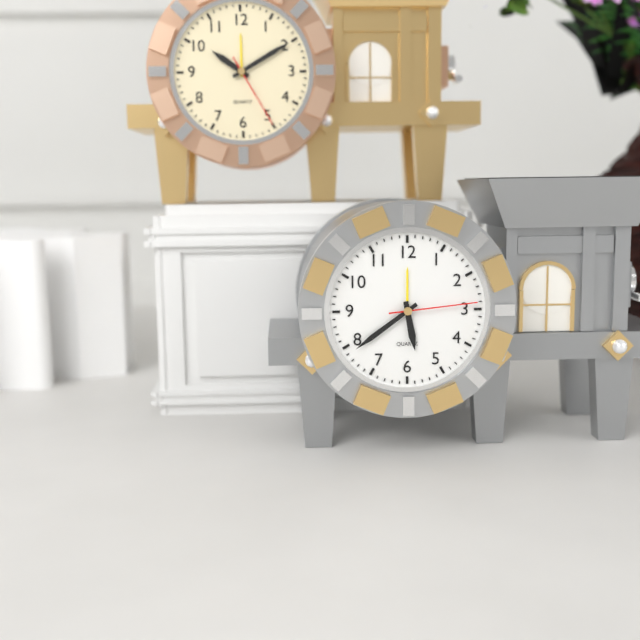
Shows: h=5 m=39 s=14
